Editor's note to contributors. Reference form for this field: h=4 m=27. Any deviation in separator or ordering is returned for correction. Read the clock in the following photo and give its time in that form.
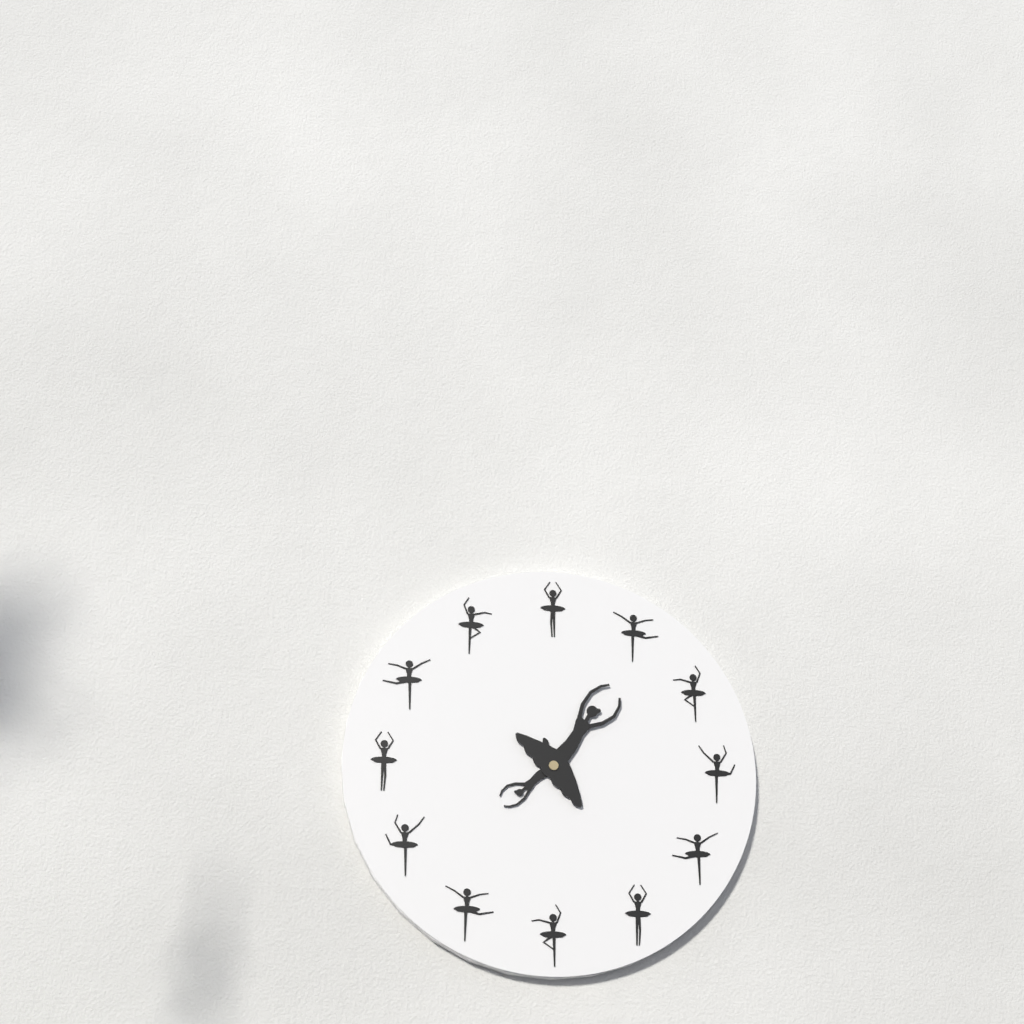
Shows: h=8 m=8
